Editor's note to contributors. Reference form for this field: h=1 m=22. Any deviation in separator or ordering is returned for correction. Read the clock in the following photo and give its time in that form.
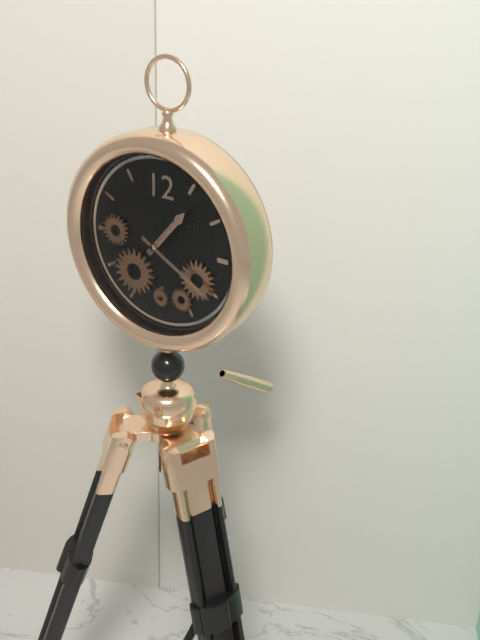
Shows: h=1 m=20
